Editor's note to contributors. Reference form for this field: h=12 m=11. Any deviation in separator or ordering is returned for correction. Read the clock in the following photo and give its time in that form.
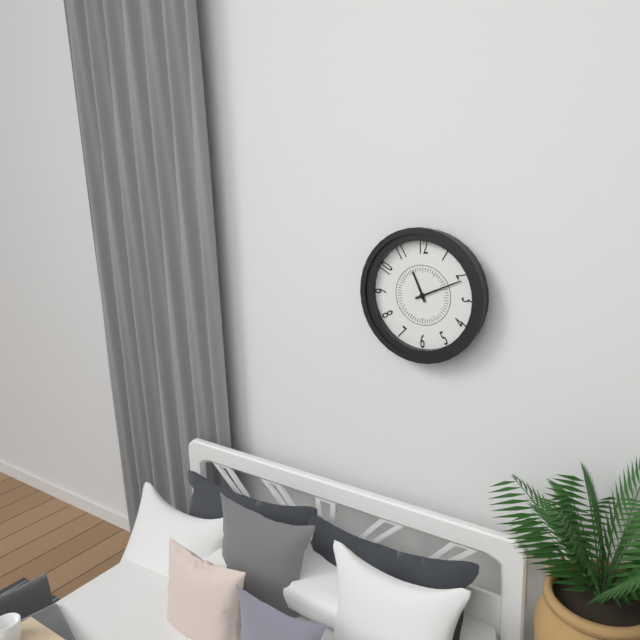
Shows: h=11 m=11
